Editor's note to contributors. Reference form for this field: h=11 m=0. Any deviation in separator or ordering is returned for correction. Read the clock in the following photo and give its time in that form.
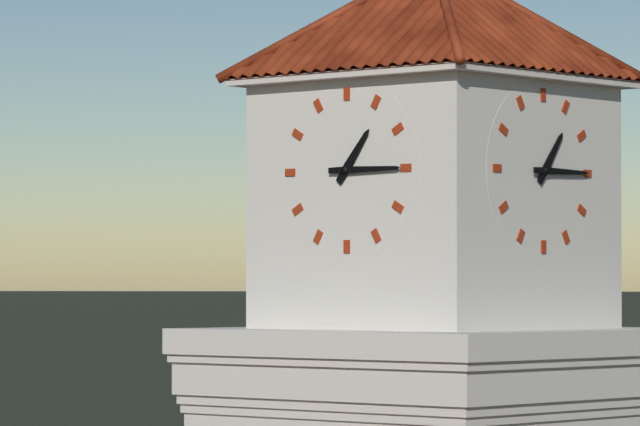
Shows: h=1 m=15
